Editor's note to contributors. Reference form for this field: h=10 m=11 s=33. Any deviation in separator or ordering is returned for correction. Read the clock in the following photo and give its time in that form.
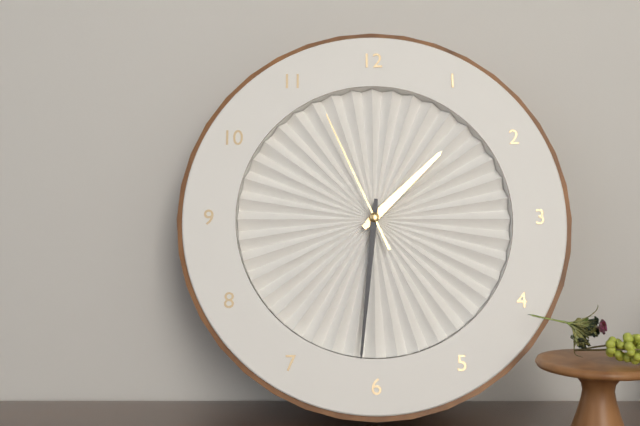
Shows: h=1 m=31 s=56
